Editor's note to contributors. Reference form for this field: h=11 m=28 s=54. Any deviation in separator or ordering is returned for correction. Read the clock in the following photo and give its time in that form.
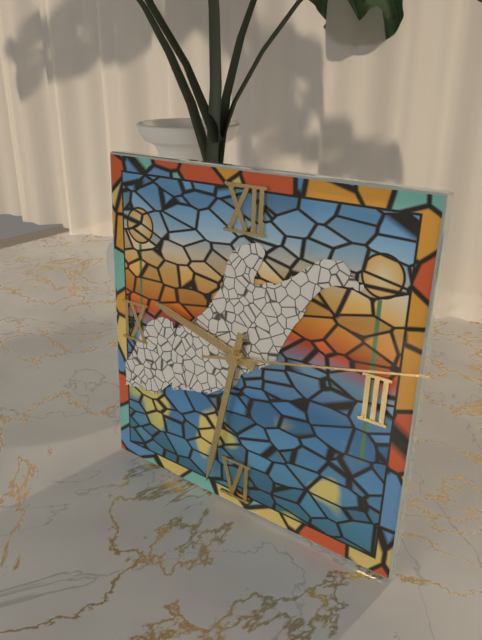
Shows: h=9 m=32 s=13
